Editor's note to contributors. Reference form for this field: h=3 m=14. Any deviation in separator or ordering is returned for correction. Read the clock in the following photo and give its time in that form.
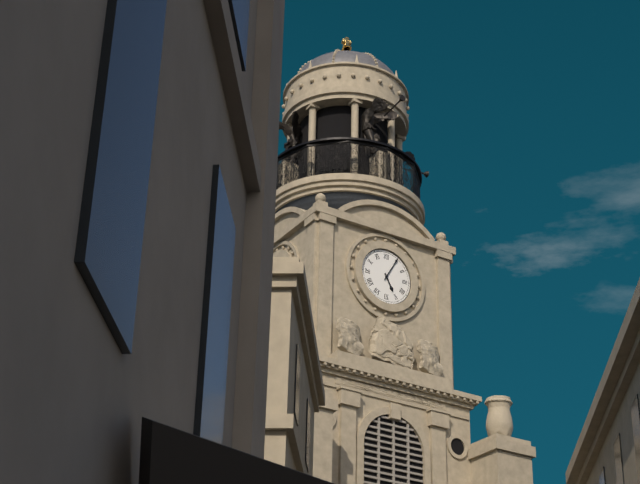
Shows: h=5 m=5
